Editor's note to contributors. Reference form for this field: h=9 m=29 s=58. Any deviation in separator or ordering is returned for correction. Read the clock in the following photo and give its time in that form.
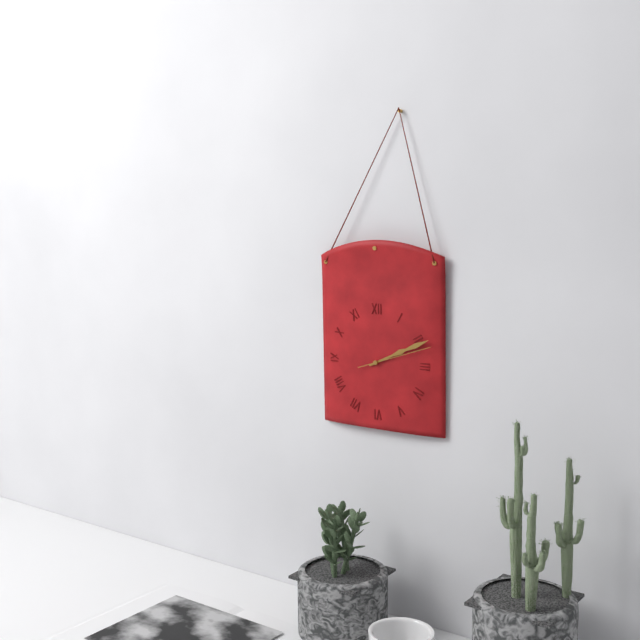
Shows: h=2 m=11 s=12
